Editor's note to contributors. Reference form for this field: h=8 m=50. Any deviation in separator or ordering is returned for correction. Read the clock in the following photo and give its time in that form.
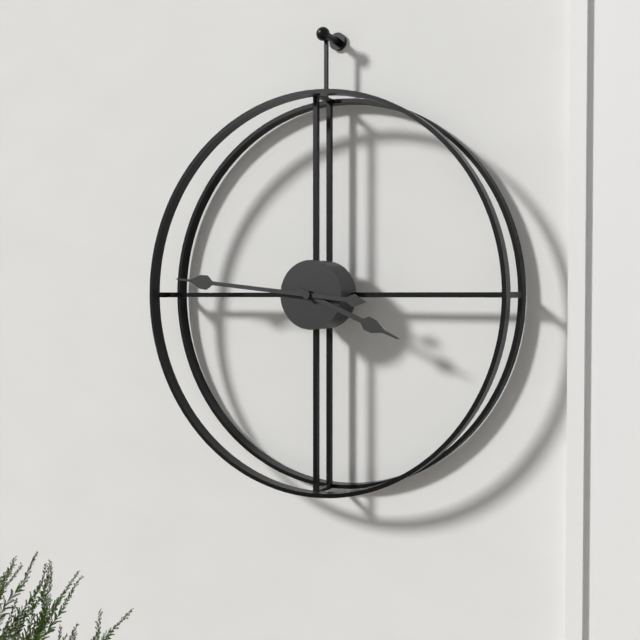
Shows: h=3 m=46
